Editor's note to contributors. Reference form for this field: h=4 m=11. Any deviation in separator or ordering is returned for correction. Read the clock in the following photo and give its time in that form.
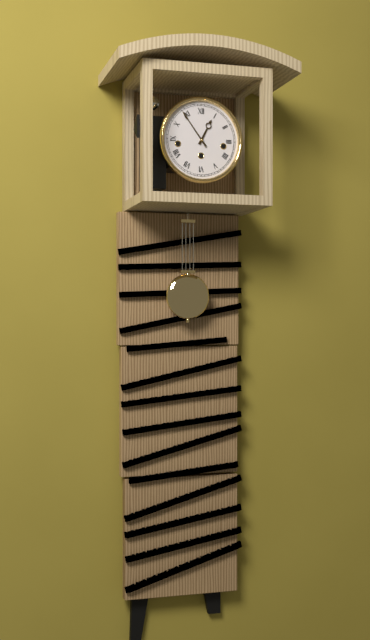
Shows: h=12 m=54
